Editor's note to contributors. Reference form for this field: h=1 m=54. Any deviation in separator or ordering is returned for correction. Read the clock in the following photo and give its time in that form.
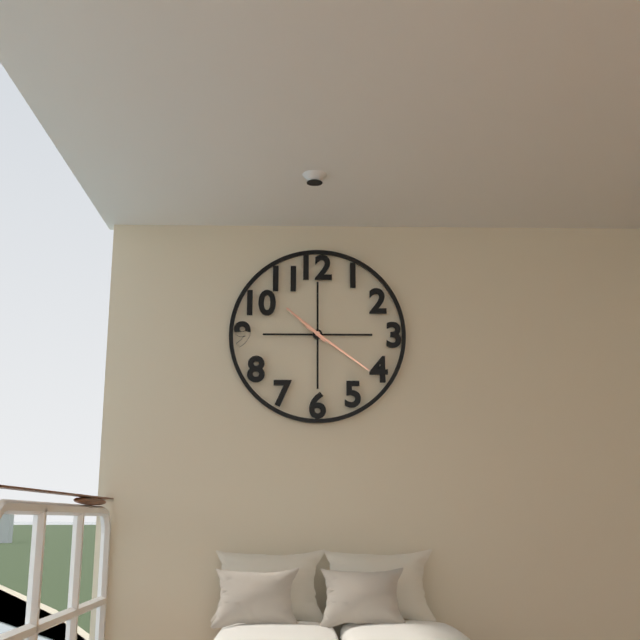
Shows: h=10 m=21
